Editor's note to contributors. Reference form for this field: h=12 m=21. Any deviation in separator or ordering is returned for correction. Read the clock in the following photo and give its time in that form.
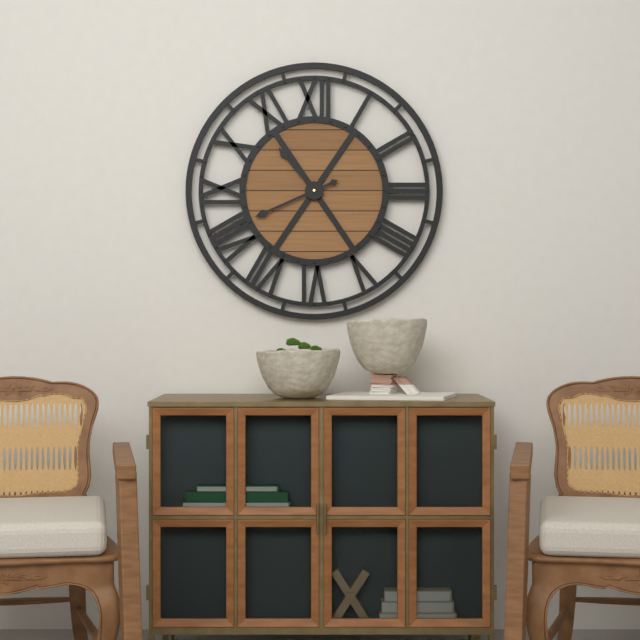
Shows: h=10 m=41
